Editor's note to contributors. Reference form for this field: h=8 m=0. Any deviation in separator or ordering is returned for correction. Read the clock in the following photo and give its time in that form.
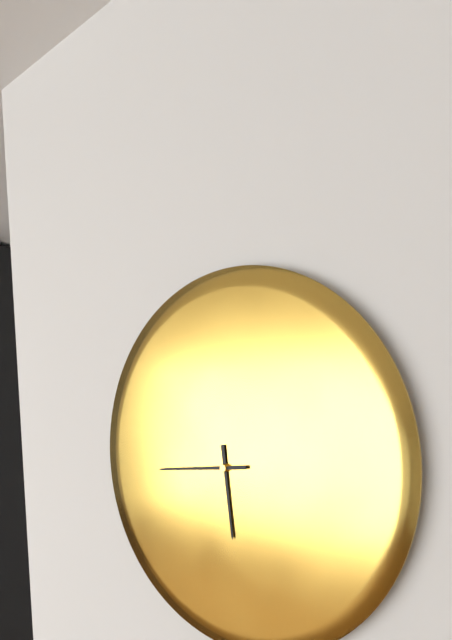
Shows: h=5 m=44
